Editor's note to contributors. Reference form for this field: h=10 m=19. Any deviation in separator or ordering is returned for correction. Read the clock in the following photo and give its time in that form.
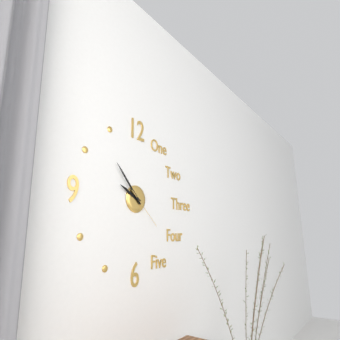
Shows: h=9 m=53
